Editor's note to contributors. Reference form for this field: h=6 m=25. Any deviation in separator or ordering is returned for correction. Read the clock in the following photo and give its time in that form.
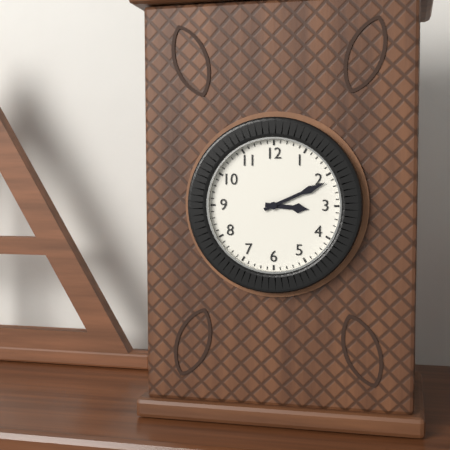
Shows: h=3 m=11
